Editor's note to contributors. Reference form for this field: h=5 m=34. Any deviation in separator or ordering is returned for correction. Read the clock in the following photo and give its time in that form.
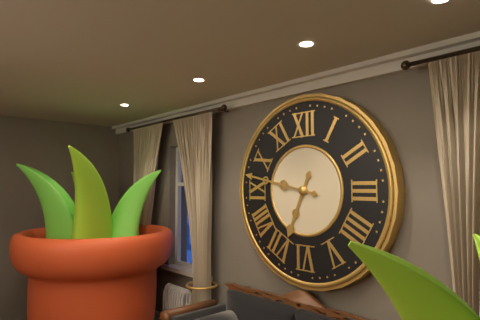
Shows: h=6 m=47
